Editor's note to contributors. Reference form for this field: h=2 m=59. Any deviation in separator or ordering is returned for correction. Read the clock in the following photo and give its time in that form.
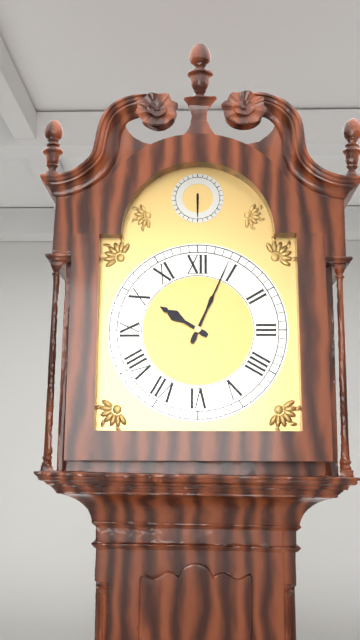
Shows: h=10 m=4
